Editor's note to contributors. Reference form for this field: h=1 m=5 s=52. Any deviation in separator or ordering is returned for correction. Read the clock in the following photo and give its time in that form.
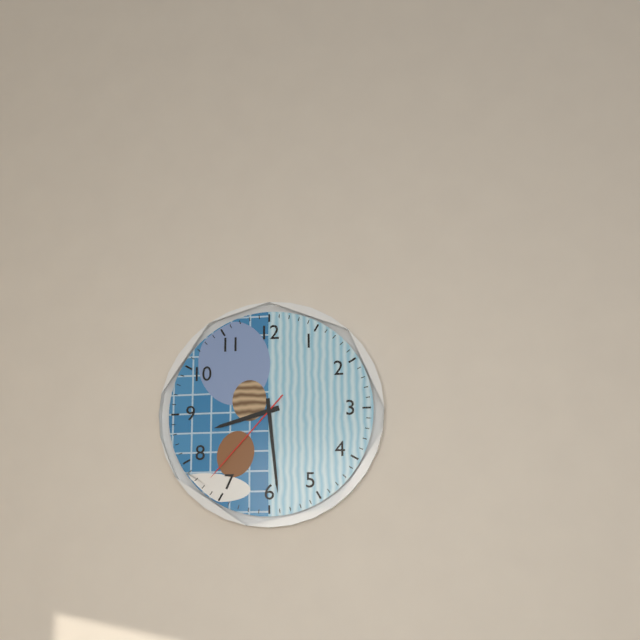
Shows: h=8 m=29 s=37
